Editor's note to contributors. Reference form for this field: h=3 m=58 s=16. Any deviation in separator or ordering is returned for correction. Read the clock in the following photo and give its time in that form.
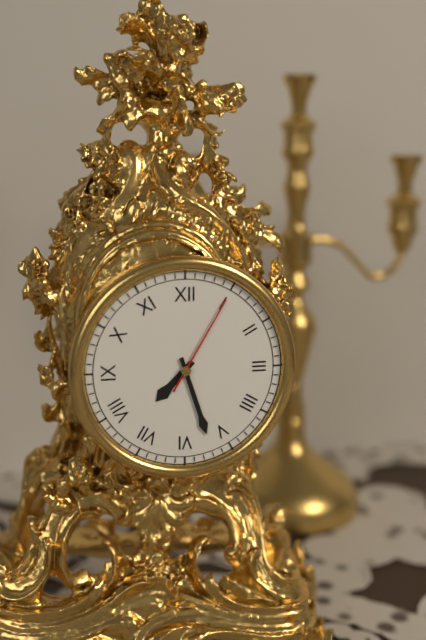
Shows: h=7 m=27 s=5
